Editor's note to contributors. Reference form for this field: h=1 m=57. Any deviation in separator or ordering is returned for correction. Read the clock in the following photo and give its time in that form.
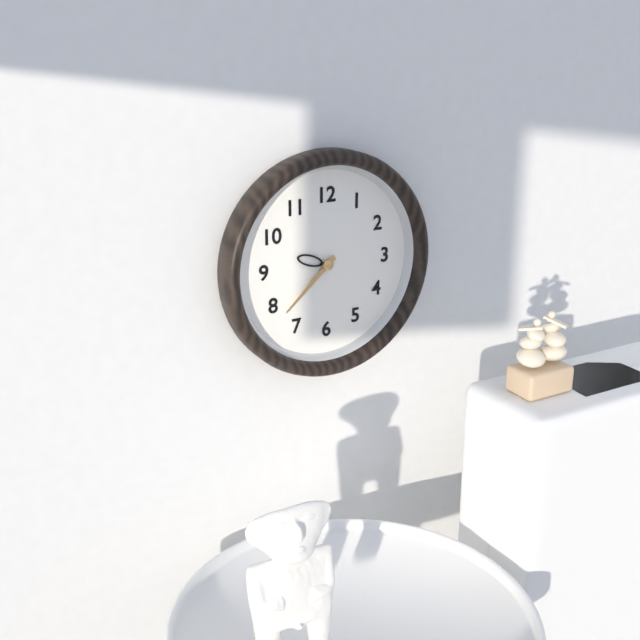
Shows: h=9 m=38
